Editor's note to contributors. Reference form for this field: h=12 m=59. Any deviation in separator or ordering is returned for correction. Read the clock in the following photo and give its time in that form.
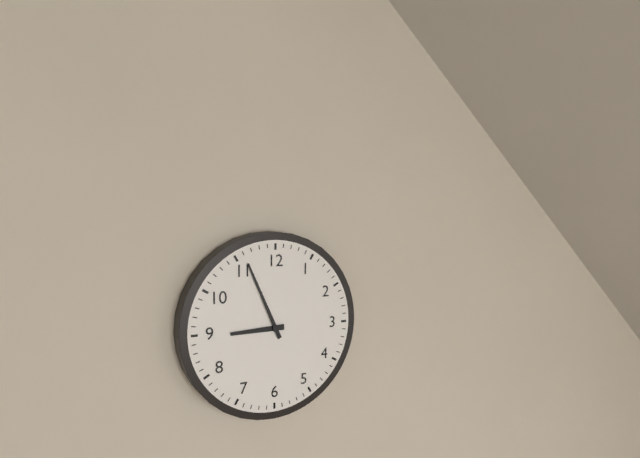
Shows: h=8 m=56
